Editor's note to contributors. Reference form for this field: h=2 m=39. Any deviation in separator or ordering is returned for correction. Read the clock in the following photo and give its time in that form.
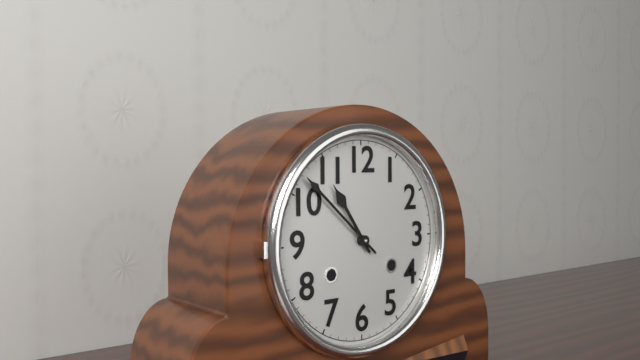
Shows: h=10 m=52
